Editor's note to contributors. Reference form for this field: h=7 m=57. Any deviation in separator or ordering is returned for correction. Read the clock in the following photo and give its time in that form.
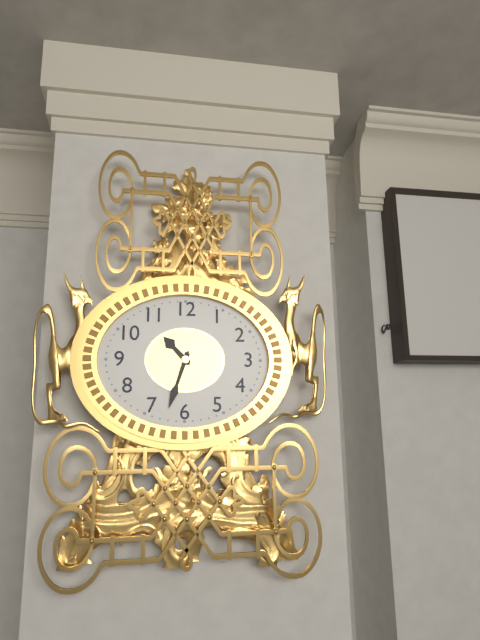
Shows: h=10 m=33
